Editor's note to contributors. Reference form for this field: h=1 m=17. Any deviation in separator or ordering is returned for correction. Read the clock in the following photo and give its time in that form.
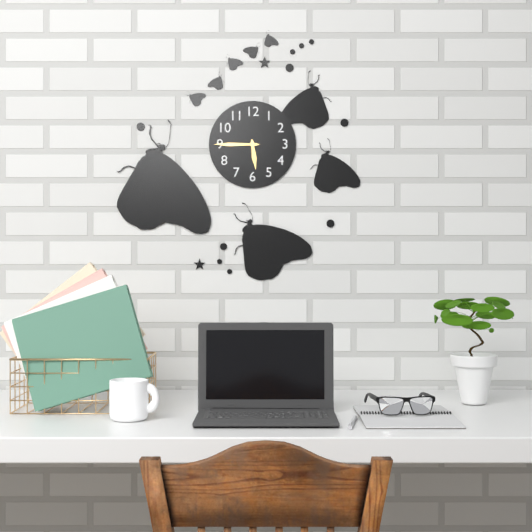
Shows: h=5 m=45
